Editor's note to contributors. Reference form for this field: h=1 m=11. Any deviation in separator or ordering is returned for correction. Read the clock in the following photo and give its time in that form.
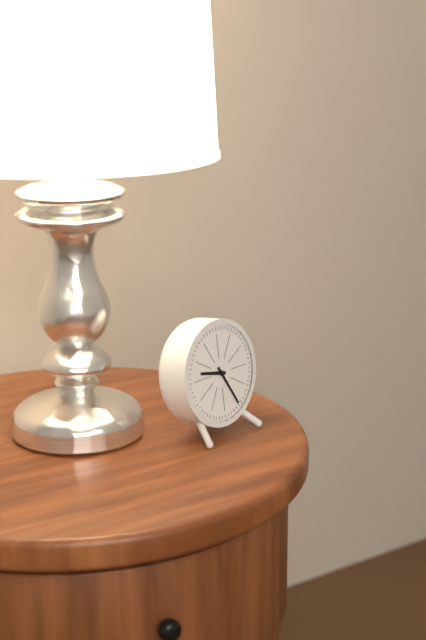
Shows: h=9 m=25
